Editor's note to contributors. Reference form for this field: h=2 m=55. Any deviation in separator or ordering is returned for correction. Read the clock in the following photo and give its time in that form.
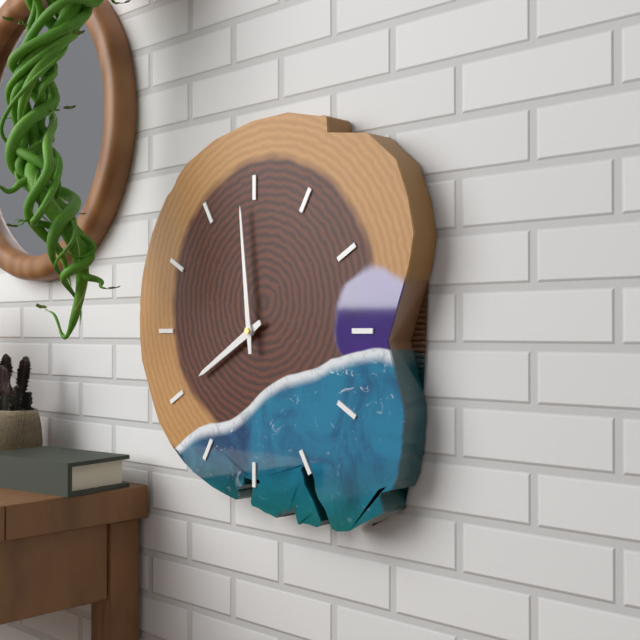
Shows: h=7 m=59
